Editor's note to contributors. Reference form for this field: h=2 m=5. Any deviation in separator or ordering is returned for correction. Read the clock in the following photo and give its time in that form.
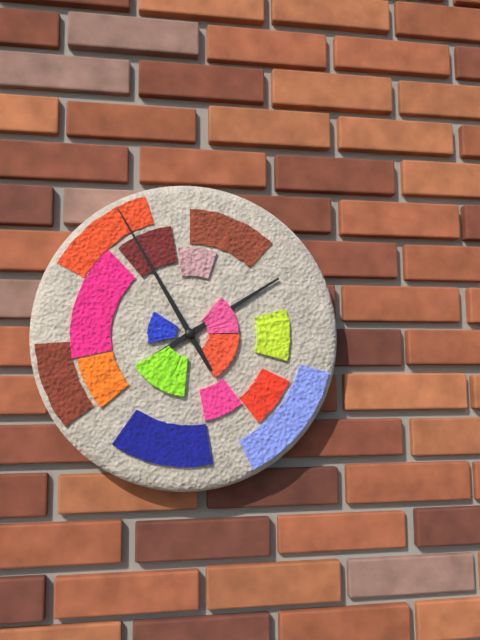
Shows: h=1 m=55
